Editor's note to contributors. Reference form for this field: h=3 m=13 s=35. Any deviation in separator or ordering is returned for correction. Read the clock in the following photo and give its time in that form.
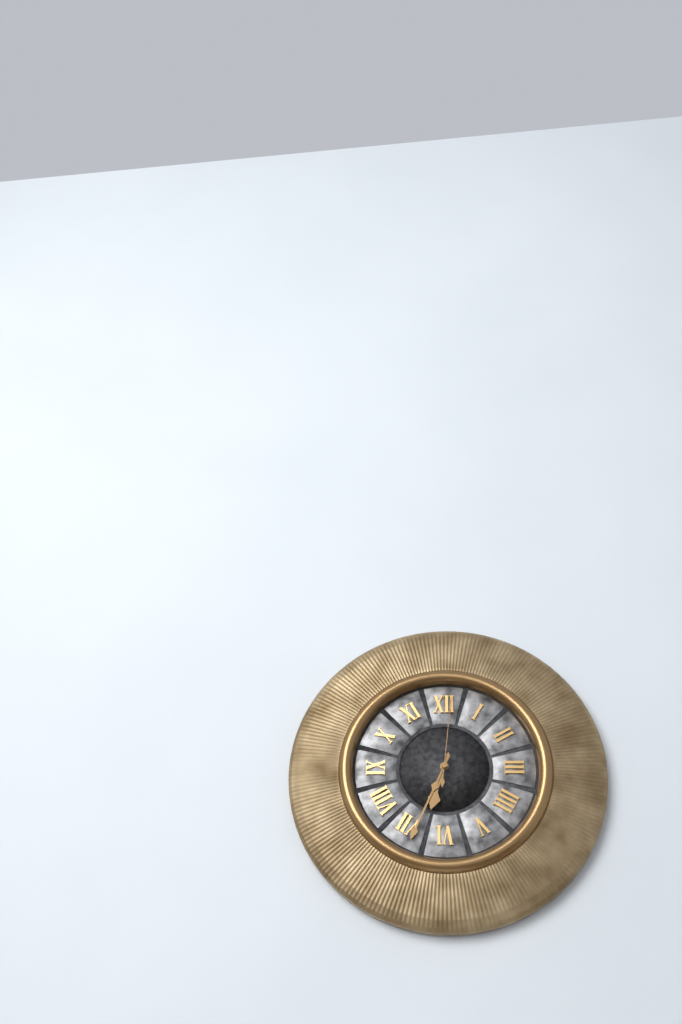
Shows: h=6 m=34 s=1
